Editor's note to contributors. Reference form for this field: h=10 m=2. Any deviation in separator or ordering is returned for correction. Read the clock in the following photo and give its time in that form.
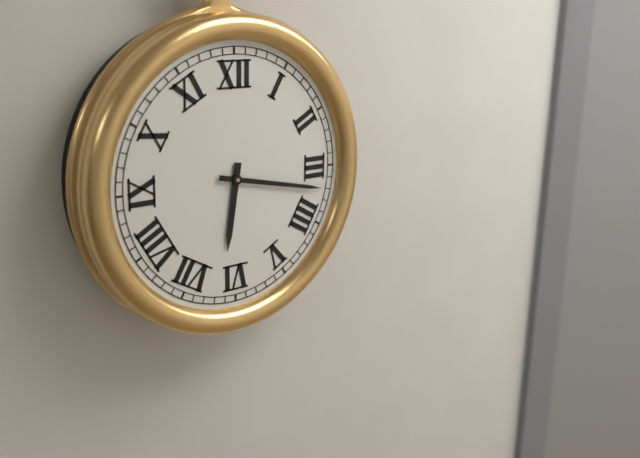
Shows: h=6 m=17
